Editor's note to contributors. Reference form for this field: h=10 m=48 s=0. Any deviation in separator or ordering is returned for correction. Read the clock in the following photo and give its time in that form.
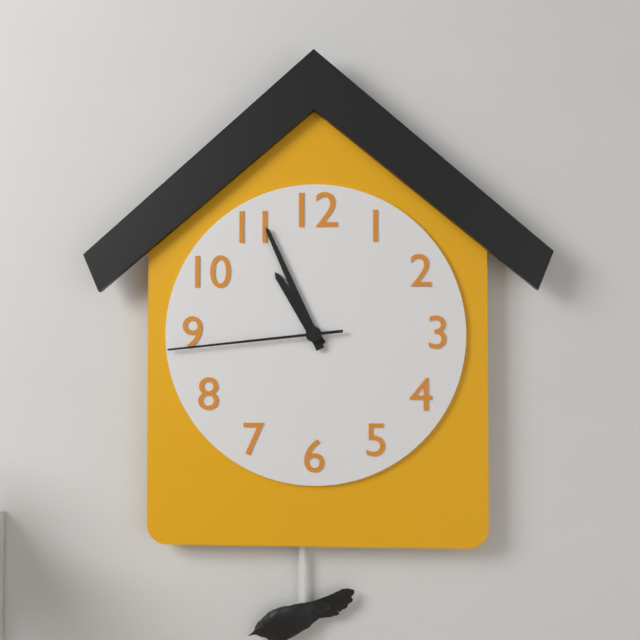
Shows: h=10 m=56 s=44
